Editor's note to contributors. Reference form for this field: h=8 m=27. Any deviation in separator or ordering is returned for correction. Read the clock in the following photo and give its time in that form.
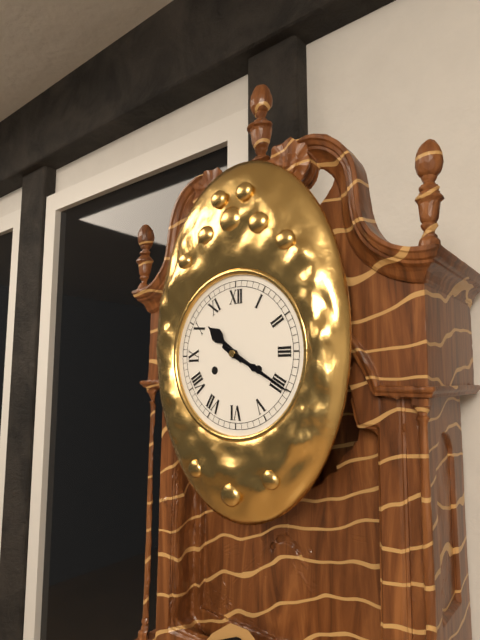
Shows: h=10 m=20
